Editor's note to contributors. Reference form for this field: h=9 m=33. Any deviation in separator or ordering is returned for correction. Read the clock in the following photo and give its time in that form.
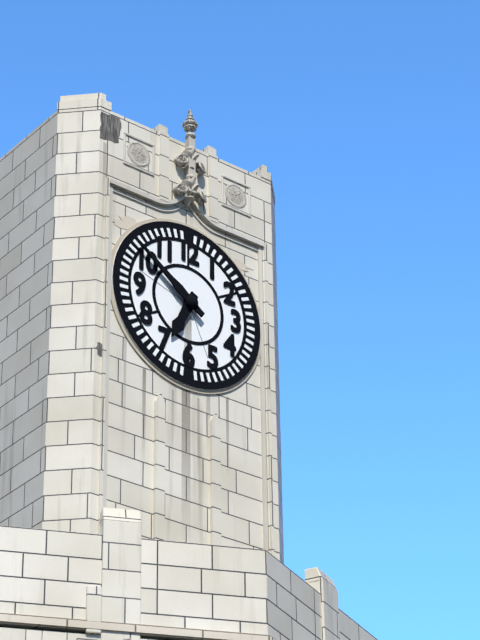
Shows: h=6 m=51
